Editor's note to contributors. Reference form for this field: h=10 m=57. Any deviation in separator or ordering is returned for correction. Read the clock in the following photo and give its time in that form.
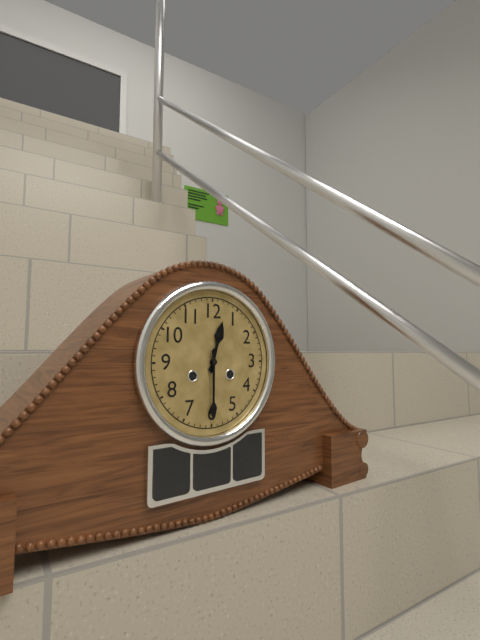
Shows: h=12 m=30
